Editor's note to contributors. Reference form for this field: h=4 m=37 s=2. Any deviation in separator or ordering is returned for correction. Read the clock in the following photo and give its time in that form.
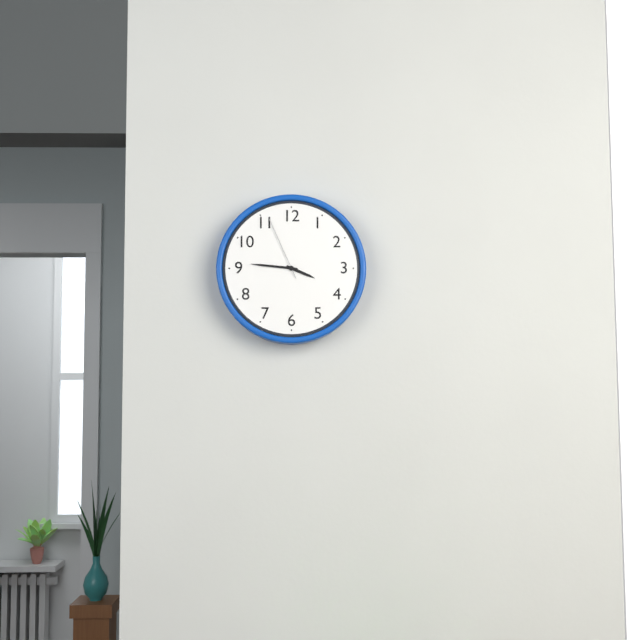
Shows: h=3 m=46 s=56
